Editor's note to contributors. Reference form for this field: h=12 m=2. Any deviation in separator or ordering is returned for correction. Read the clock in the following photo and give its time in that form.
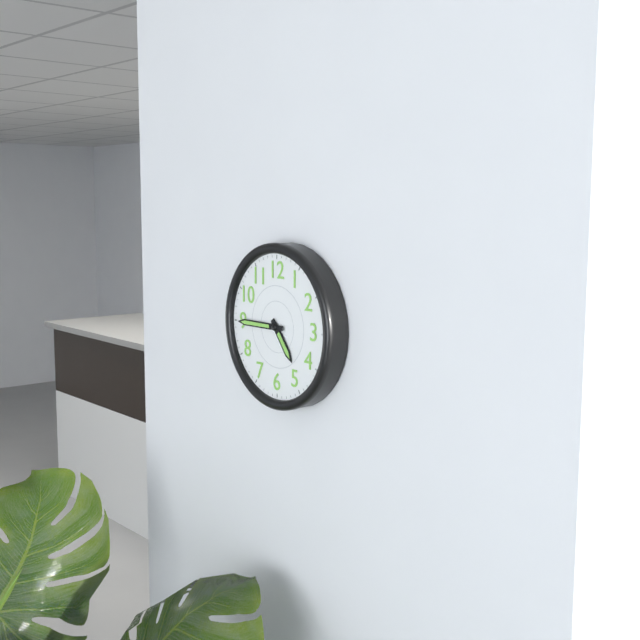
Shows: h=4 m=45
